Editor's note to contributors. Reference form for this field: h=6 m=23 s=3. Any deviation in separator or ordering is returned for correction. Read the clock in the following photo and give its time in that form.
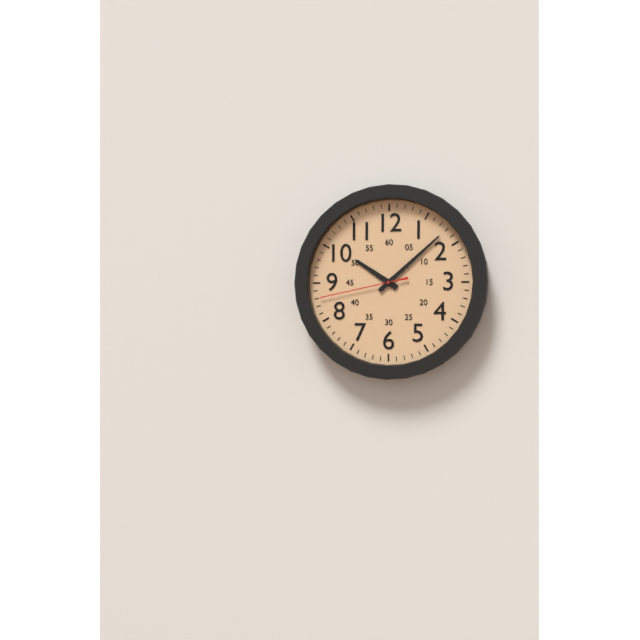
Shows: h=10 m=8 s=43
